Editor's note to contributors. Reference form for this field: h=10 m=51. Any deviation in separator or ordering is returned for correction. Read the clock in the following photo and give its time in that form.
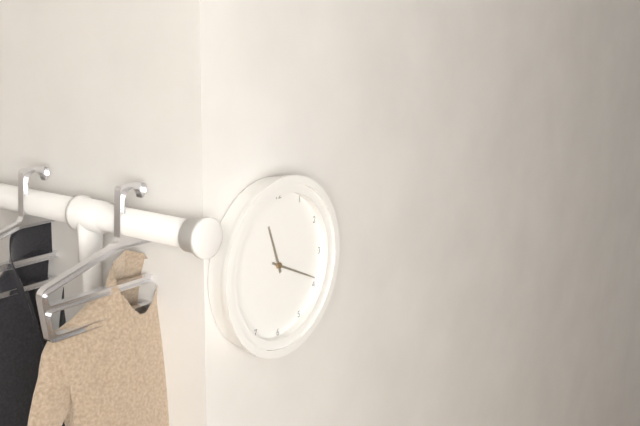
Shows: h=11 m=19
